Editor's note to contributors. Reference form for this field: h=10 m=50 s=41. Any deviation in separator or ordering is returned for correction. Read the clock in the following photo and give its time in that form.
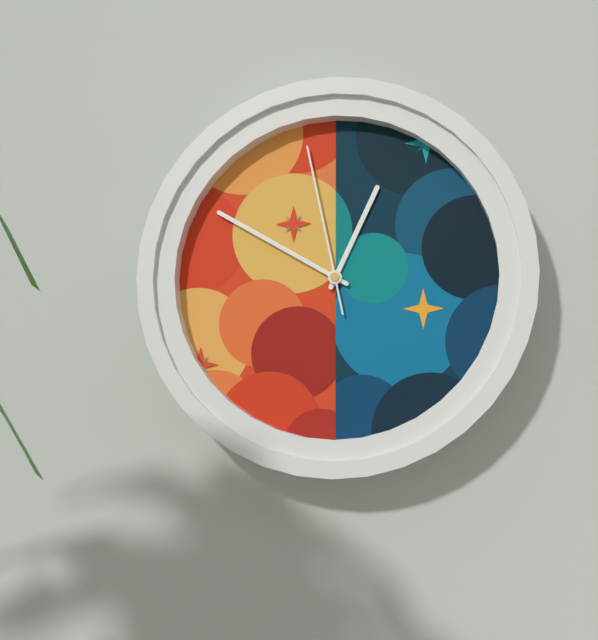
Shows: h=12 m=50 s=58
